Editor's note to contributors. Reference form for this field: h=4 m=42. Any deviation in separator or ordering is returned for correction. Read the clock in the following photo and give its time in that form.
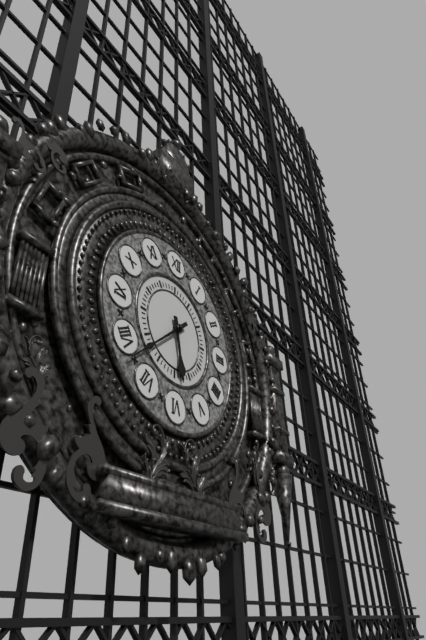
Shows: h=5 m=38
